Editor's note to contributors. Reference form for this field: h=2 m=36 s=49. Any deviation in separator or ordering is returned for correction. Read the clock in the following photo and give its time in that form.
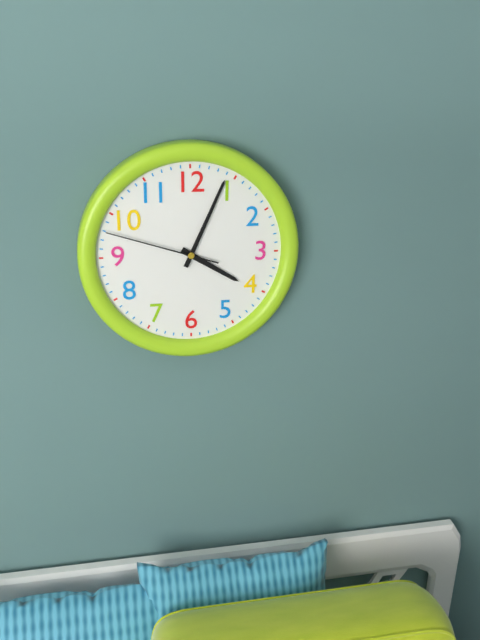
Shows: h=4 m=4 s=48
